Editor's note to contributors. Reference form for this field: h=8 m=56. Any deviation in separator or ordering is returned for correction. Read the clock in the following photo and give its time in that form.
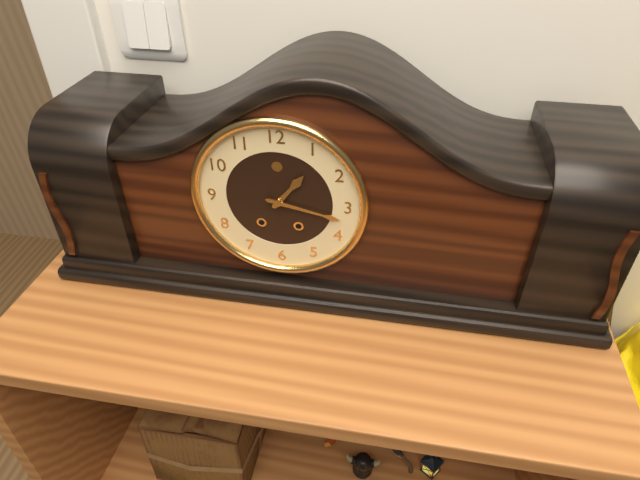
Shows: h=1 m=17
